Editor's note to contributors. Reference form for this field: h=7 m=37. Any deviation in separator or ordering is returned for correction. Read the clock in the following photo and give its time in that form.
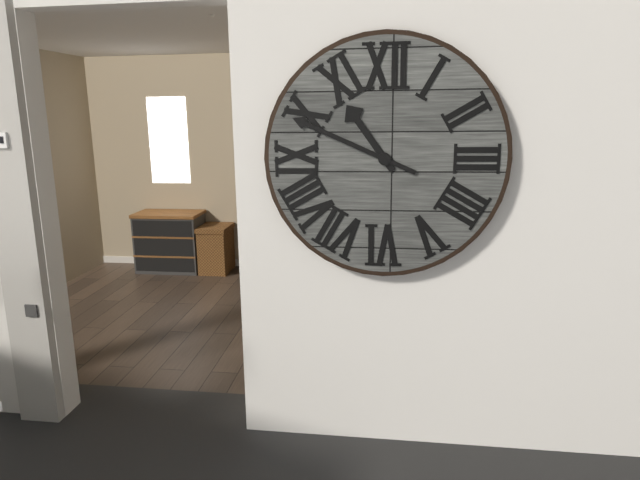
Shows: h=10 m=49
